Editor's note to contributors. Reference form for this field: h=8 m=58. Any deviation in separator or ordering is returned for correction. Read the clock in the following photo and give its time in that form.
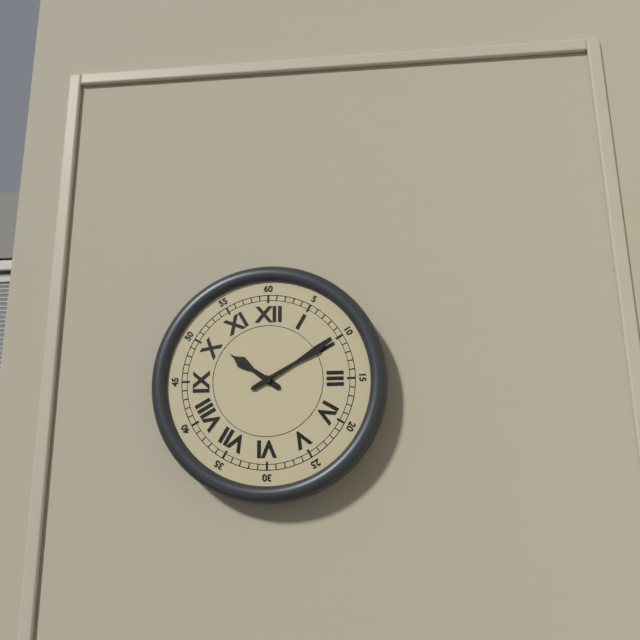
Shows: h=10 m=10
